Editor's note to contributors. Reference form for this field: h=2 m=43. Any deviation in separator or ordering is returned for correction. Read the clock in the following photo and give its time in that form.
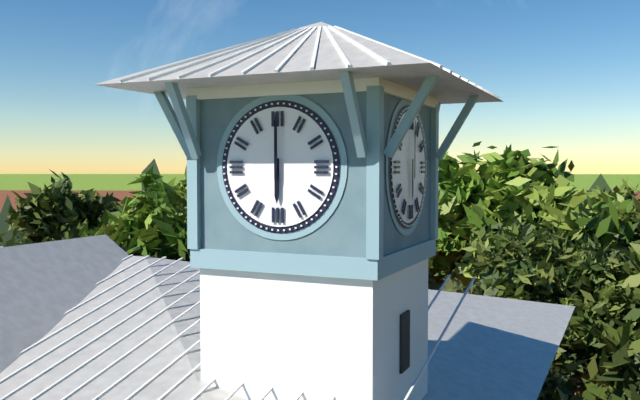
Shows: h=6 m=0
